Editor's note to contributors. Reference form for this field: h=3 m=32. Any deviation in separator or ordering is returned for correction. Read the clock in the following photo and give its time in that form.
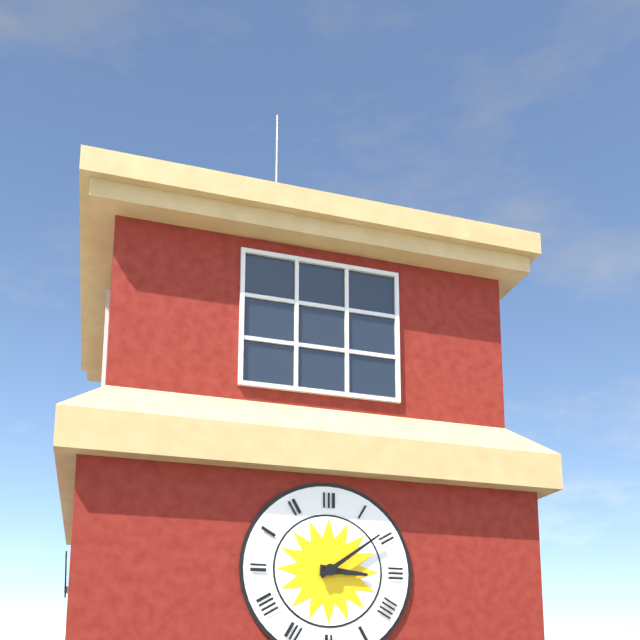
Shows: h=3 m=9
